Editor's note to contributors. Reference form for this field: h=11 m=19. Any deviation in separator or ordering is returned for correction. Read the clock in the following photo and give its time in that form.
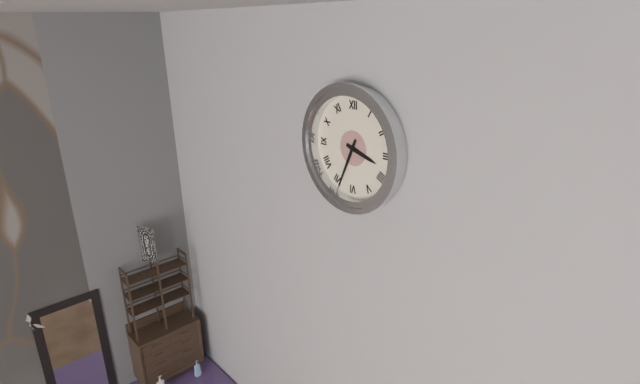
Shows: h=3 m=34
